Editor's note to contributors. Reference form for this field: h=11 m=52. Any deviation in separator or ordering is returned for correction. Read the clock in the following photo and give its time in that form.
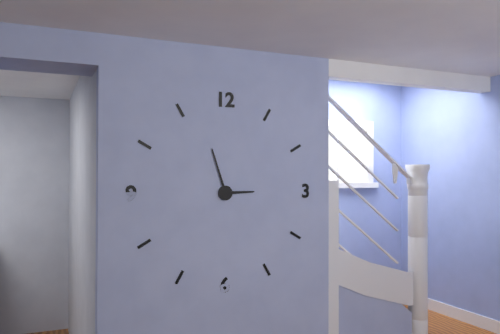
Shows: h=2 m=57
